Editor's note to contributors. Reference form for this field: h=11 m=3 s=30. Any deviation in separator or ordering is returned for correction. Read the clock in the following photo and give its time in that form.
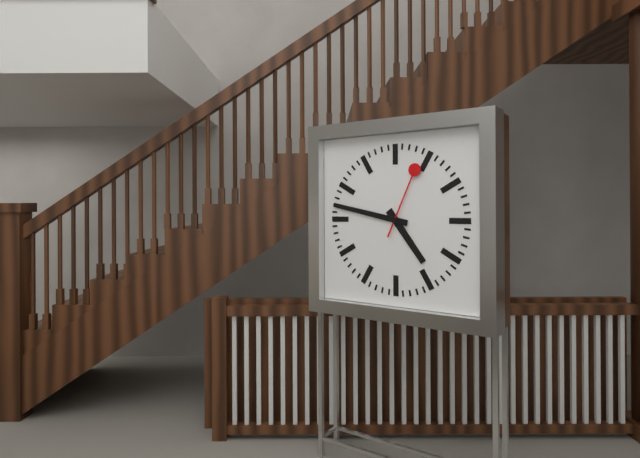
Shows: h=4 m=47 s=4
